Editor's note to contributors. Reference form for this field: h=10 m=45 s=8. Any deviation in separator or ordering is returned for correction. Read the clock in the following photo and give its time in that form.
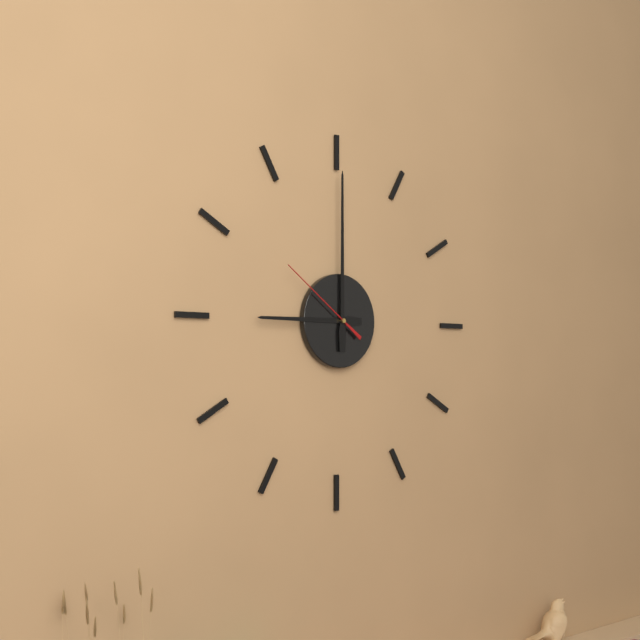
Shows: h=9 m=0 s=51
